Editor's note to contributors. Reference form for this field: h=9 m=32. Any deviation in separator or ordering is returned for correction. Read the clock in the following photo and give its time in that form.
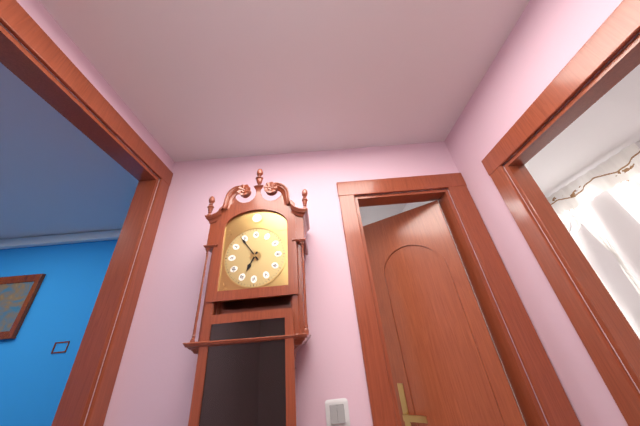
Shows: h=6 m=54
